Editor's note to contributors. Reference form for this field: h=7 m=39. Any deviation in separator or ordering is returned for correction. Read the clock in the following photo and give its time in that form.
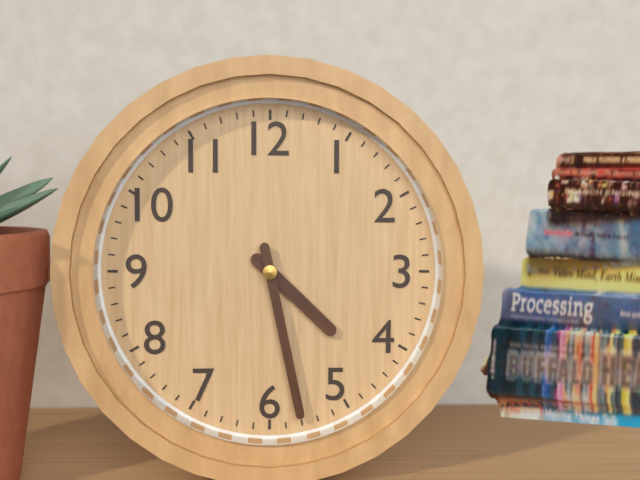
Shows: h=4 m=28
